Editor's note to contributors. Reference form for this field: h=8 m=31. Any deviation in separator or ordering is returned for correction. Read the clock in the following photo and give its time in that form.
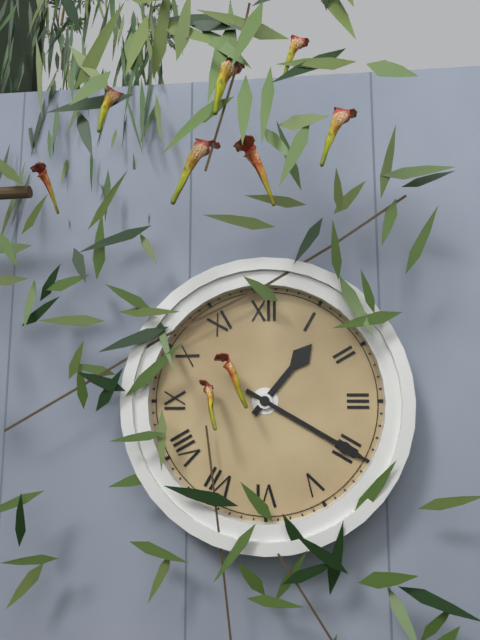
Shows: h=1 m=20
